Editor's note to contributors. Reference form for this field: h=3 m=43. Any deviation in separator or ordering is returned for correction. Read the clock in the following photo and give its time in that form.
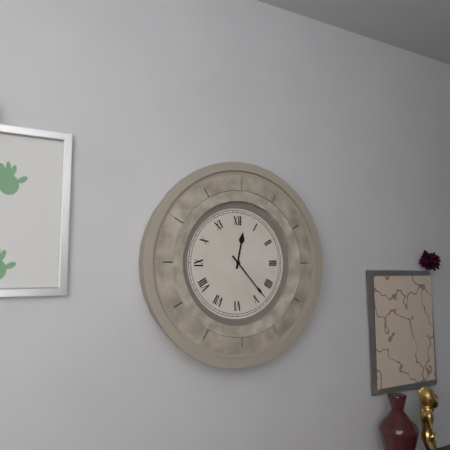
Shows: h=12 m=23
